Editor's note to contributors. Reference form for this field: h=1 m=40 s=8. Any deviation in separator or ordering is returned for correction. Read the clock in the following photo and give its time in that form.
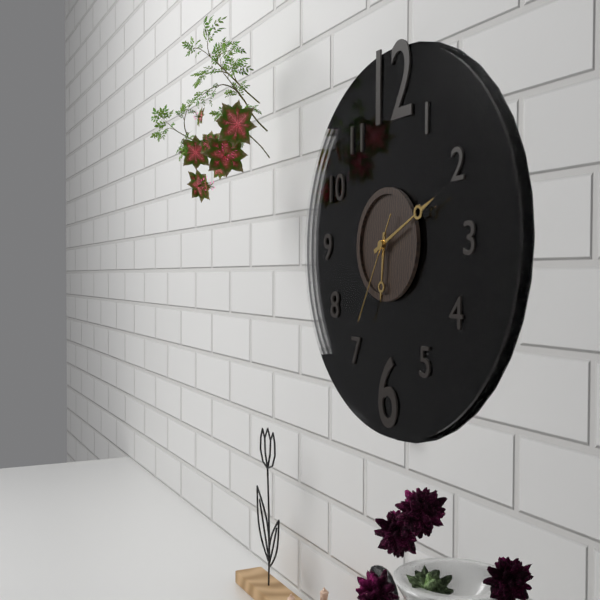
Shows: h=6 m=11 s=35
